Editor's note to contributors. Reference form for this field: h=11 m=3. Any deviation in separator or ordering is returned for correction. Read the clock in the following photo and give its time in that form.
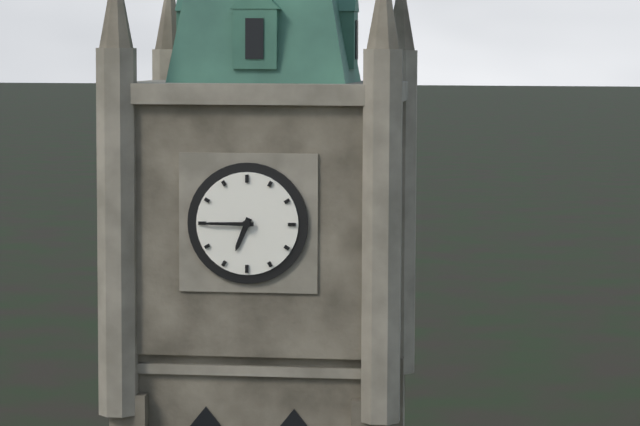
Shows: h=6 m=45
